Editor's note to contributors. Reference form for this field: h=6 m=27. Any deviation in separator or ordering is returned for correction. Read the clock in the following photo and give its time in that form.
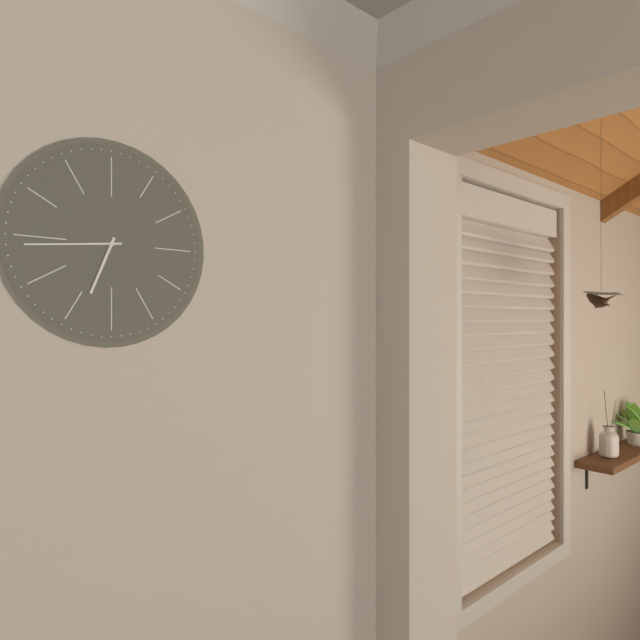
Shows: h=6 m=44
